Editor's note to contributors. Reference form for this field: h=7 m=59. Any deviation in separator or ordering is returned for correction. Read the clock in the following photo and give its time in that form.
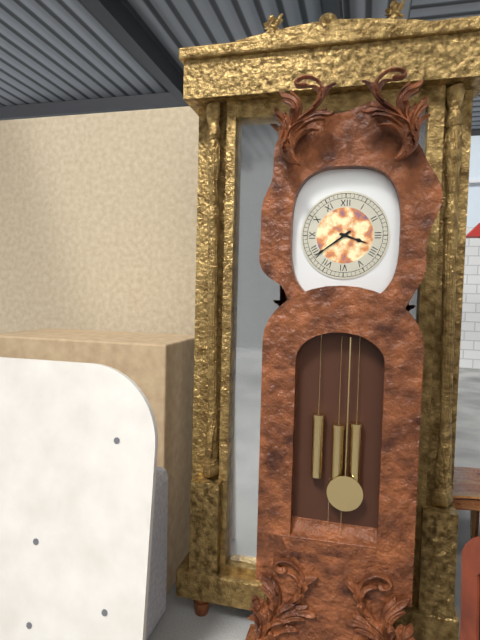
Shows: h=3 m=39
